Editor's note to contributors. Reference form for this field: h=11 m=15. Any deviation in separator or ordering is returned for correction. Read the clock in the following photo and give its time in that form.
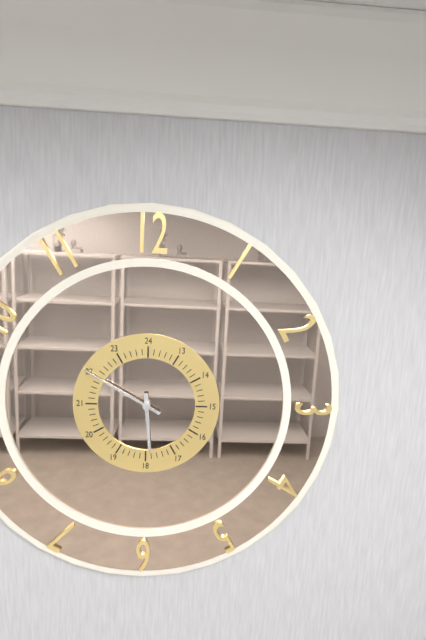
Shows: h=5 m=50
